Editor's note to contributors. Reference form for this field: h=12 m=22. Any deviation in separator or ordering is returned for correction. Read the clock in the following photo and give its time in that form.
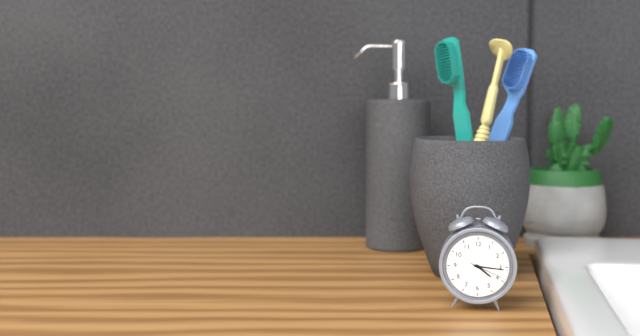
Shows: h=4 m=16
